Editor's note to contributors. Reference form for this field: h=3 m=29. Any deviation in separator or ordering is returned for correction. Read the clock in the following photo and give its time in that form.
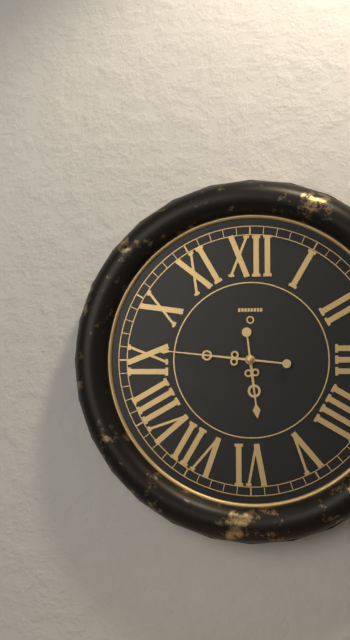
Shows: h=5 m=46
